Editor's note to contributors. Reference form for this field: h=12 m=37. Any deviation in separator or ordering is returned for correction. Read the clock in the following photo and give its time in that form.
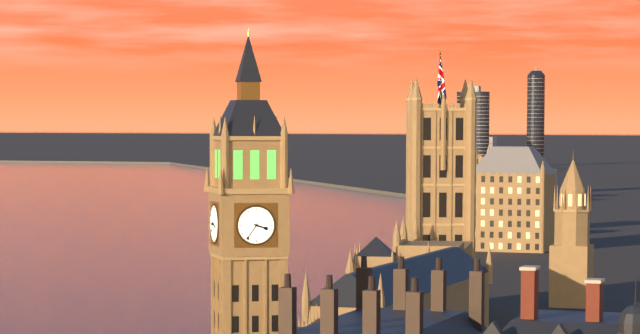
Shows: h=3 m=36
